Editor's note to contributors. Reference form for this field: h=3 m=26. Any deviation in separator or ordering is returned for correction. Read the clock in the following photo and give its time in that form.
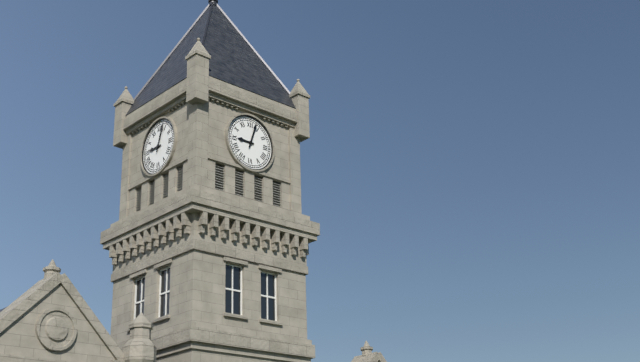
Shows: h=9 m=3
